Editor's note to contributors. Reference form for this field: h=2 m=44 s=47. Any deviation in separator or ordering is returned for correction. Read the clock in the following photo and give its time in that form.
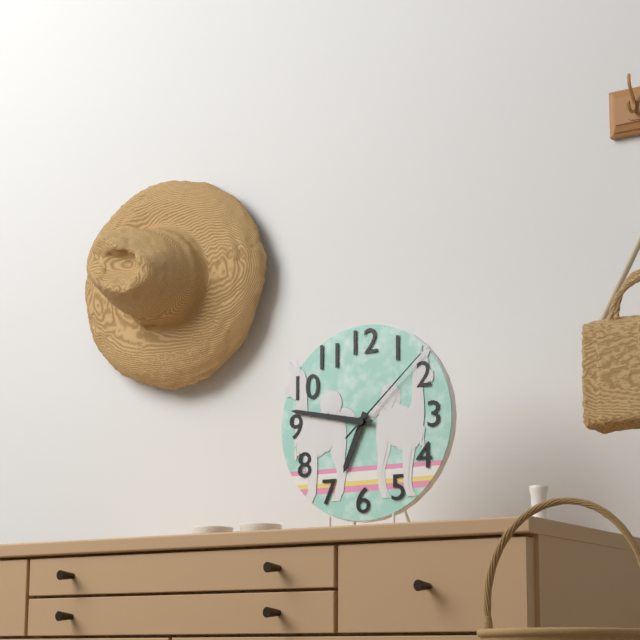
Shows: h=6 m=47 s=8
